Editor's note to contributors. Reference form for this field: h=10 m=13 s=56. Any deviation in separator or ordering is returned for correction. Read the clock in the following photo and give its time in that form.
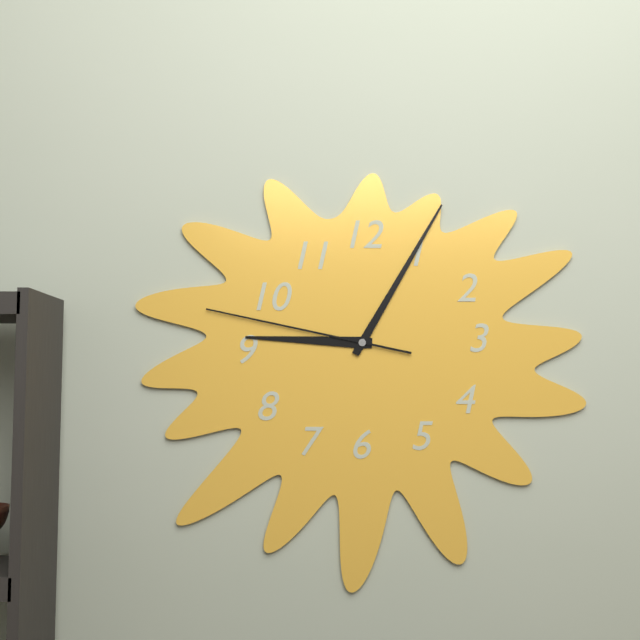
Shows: h=9 m=5 s=47
